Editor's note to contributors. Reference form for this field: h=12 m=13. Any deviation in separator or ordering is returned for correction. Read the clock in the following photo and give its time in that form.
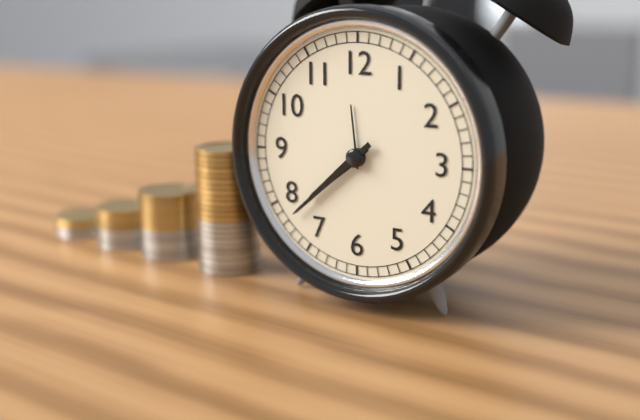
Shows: h=7 m=38
